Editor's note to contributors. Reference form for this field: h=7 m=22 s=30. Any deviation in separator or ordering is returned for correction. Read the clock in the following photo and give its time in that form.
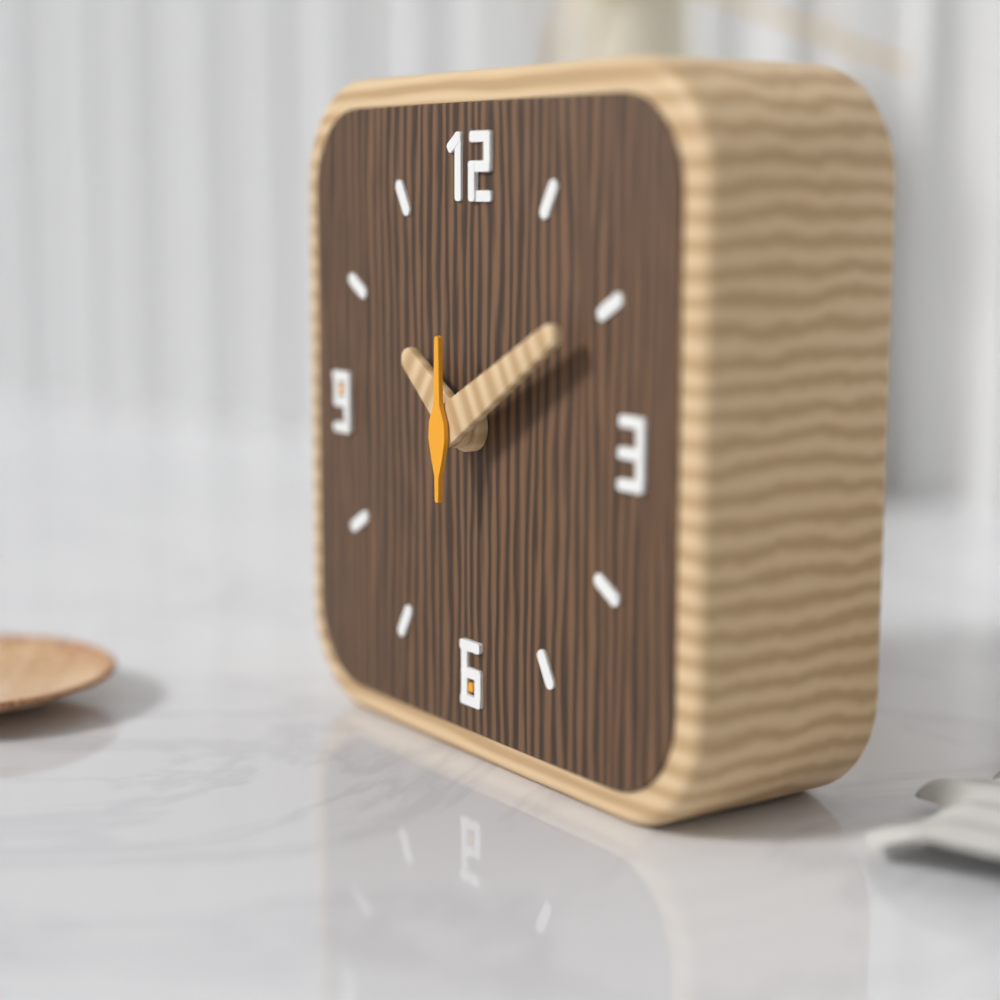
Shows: h=10 m=10 s=0
